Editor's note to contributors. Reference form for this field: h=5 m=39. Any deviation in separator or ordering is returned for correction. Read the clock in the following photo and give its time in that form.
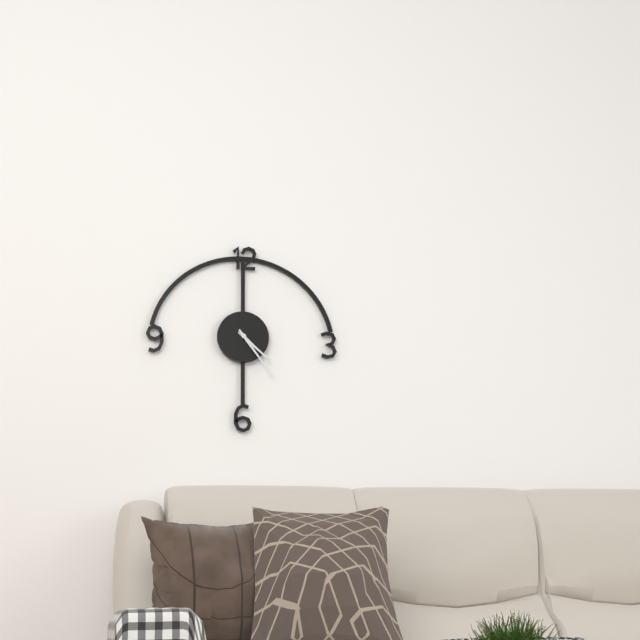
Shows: h=4 m=24
